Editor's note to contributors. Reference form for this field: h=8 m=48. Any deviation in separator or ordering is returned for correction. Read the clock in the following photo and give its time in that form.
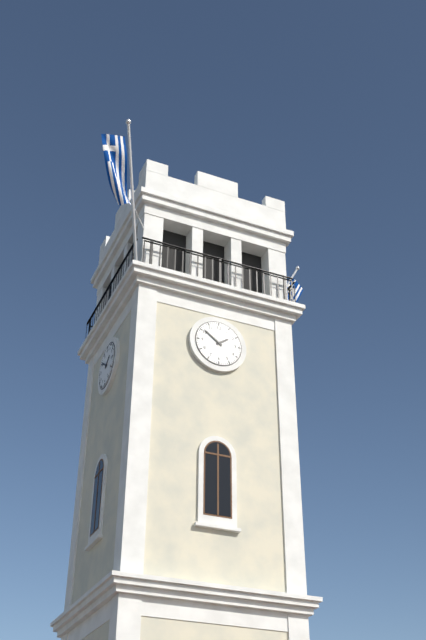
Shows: h=1 m=51
